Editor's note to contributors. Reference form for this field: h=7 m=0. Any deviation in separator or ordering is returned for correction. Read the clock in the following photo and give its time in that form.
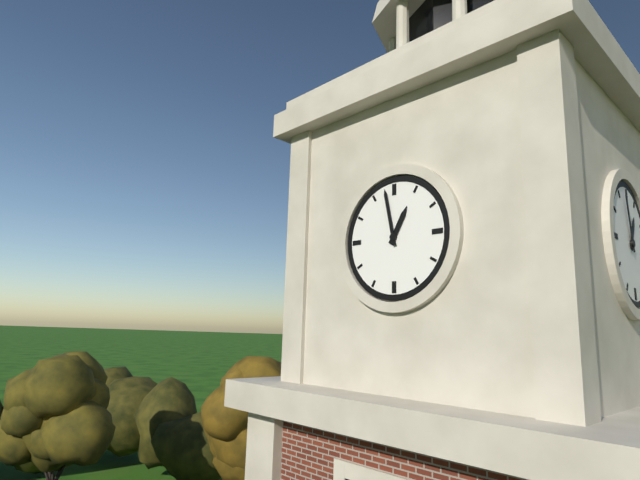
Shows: h=12 m=58
